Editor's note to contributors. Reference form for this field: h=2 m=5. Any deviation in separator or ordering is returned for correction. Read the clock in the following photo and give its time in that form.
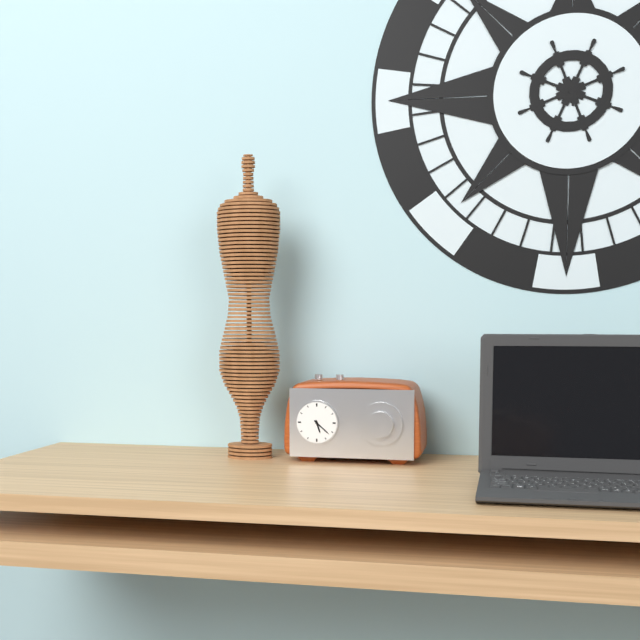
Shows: h=5 m=22
